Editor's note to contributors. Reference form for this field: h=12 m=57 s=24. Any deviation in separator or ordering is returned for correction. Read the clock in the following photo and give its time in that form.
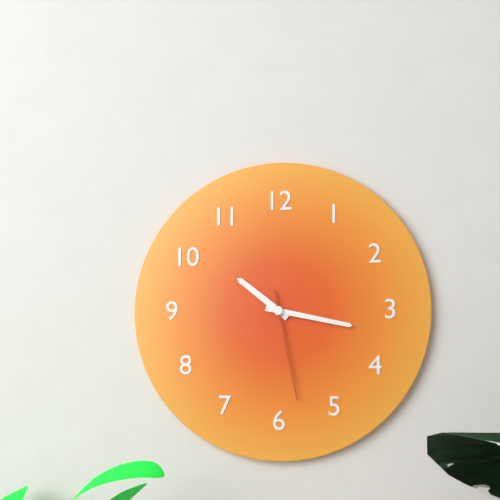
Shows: h=10 m=17 s=28
